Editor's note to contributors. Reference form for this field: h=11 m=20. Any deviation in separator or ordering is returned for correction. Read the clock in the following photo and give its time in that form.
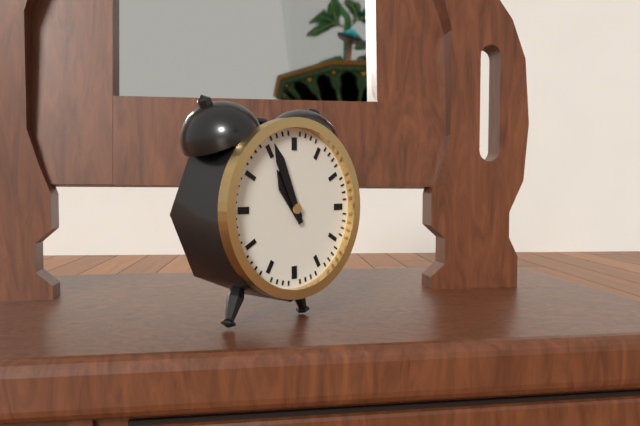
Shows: h=10 m=56
